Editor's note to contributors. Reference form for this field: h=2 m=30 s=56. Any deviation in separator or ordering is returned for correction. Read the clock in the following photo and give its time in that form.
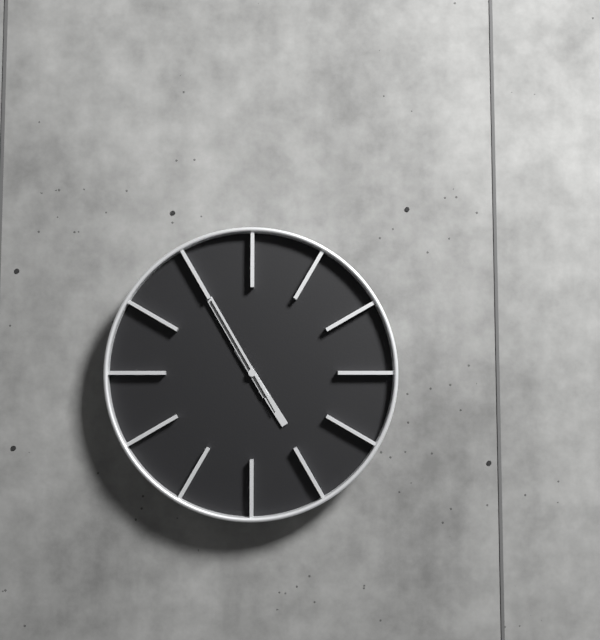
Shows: h=4 m=55 s=55
